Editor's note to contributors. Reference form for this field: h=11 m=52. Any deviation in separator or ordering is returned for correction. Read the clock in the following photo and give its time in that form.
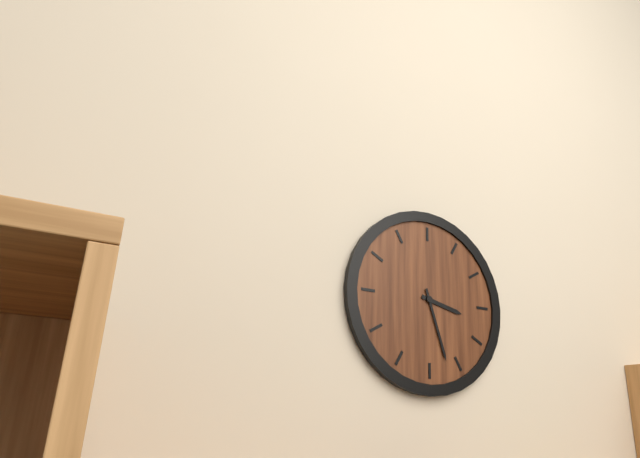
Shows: h=3 m=27
